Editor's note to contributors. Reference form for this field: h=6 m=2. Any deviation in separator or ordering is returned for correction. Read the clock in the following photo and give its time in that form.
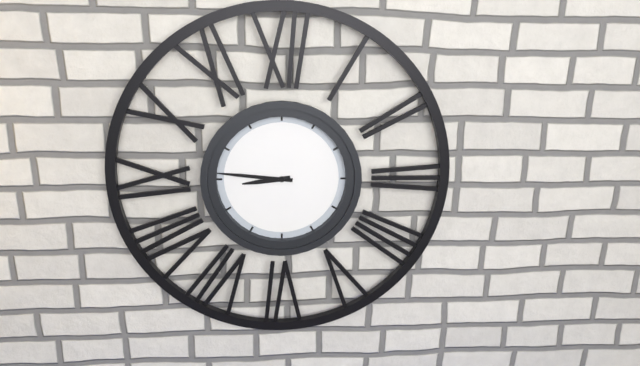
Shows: h=8 m=46
